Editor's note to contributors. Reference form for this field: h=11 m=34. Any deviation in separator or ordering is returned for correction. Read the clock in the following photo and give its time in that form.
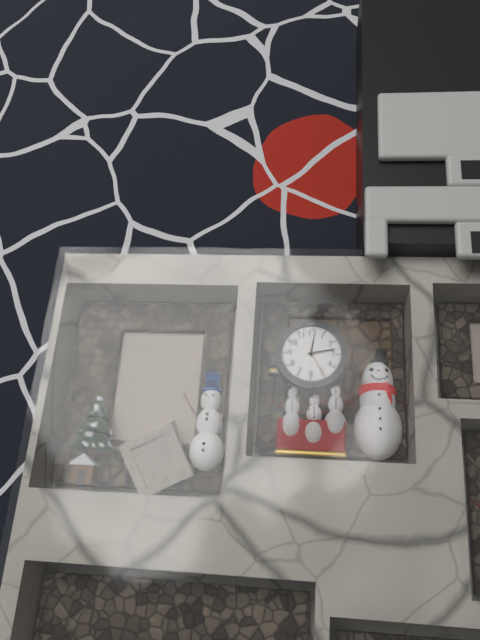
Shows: h=12 m=13
